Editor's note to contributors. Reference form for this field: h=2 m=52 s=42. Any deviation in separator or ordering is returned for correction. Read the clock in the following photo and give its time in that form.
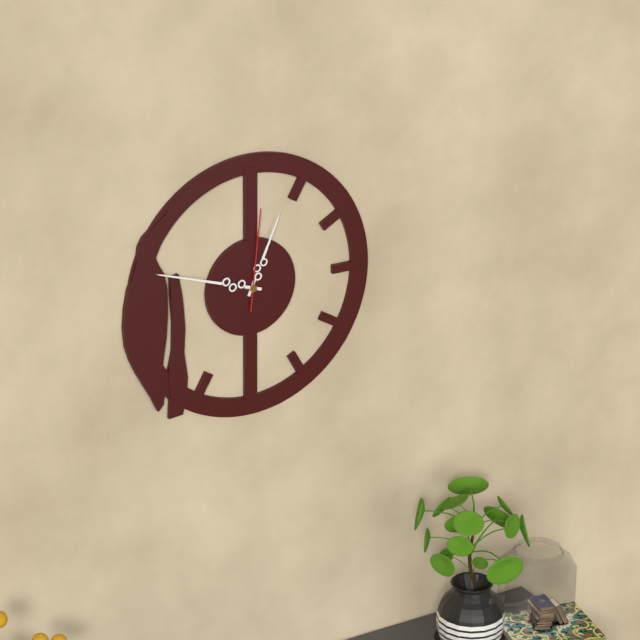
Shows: h=12 m=48 s=1
